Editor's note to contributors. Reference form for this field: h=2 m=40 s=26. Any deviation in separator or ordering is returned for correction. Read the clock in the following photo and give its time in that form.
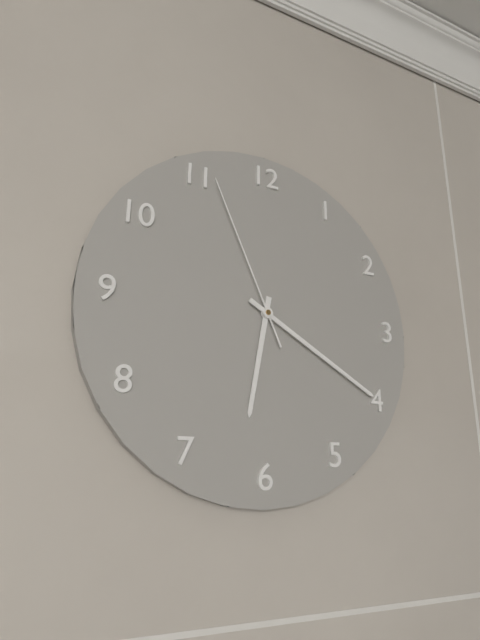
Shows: h=6 m=20 s=56
